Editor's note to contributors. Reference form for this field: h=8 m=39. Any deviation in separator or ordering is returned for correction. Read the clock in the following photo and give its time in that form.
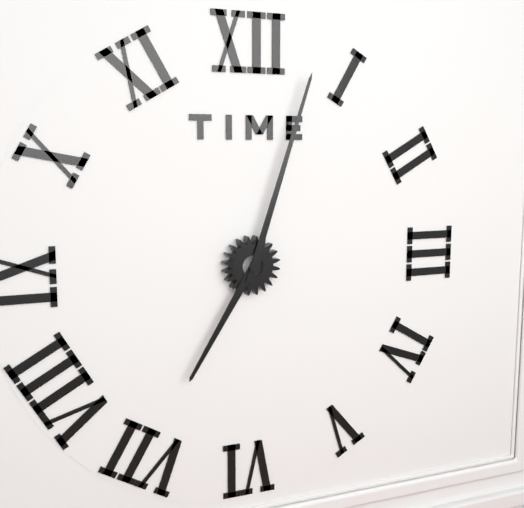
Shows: h=7 m=3
